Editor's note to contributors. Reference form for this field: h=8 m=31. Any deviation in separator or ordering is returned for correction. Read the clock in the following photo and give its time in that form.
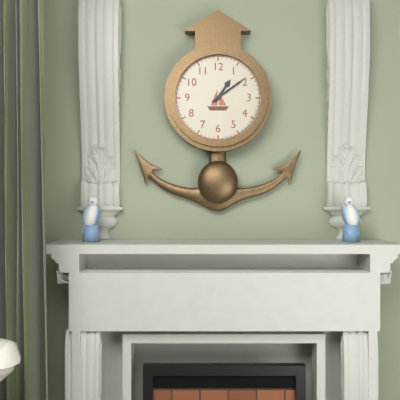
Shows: h=1 m=9
